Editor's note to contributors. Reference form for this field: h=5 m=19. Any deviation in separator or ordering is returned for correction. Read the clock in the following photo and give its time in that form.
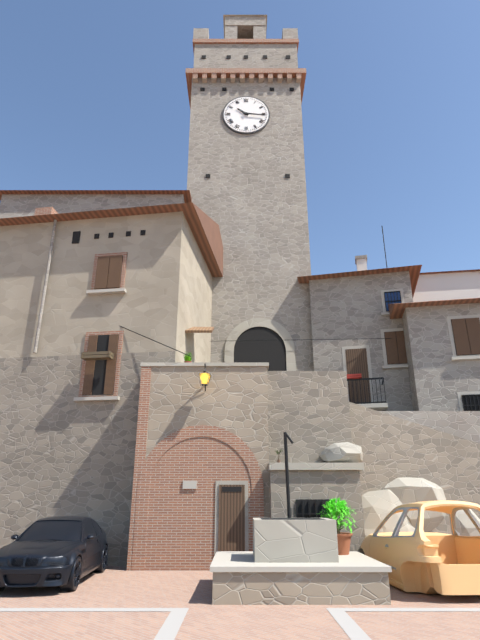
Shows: h=10 m=16
